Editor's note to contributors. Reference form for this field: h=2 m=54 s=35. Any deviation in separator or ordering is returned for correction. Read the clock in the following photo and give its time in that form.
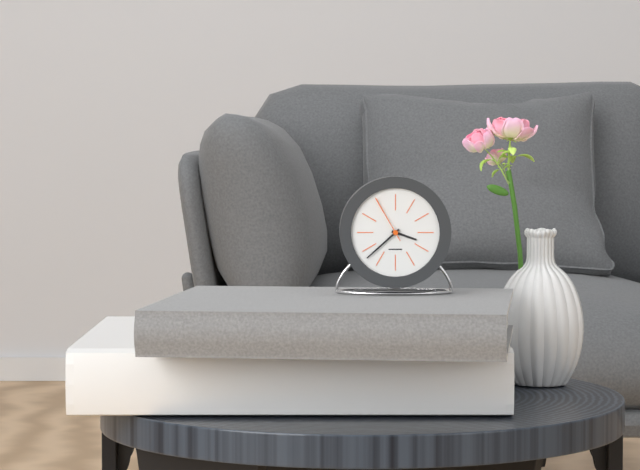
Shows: h=3 m=38 s=55
